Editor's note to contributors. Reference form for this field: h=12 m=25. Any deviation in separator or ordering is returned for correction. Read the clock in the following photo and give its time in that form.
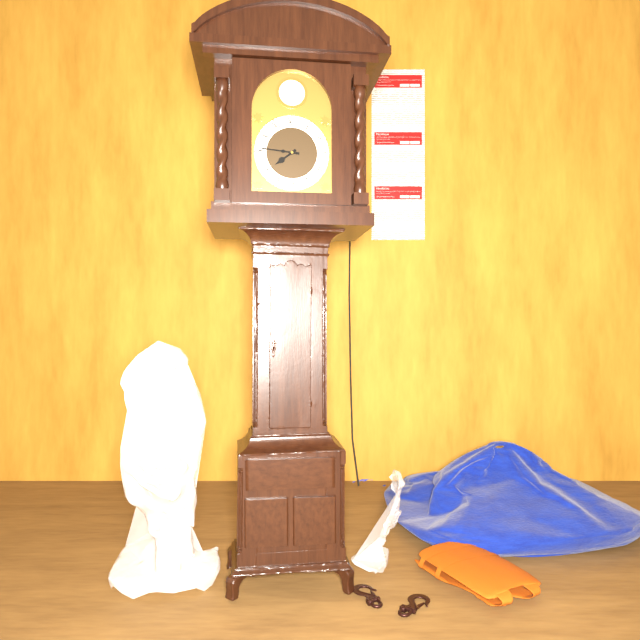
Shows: h=7 m=46
